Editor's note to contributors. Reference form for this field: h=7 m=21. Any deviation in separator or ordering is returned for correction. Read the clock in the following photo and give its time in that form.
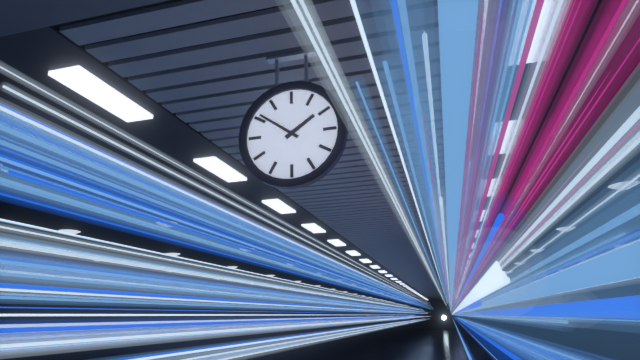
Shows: h=1 m=51
